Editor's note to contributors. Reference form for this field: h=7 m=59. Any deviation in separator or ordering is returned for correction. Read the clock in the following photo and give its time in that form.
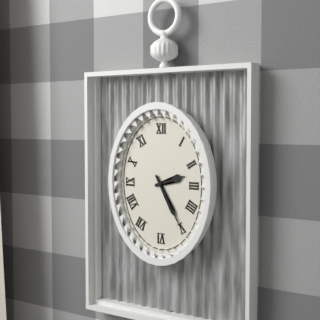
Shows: h=2 m=25
